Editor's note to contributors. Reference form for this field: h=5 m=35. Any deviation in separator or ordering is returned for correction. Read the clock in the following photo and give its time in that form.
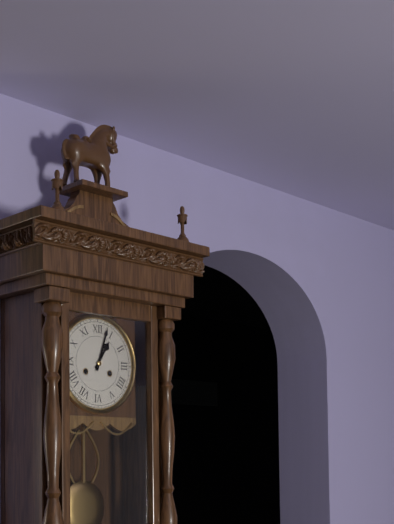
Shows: h=1 m=3
